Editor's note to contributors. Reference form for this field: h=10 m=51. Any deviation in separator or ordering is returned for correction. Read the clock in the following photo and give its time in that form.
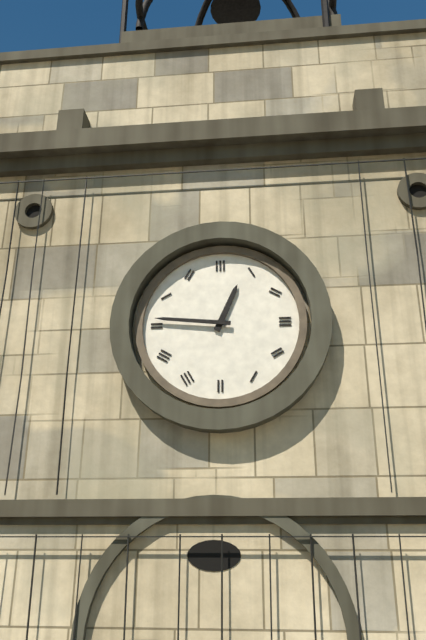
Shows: h=12 m=46
